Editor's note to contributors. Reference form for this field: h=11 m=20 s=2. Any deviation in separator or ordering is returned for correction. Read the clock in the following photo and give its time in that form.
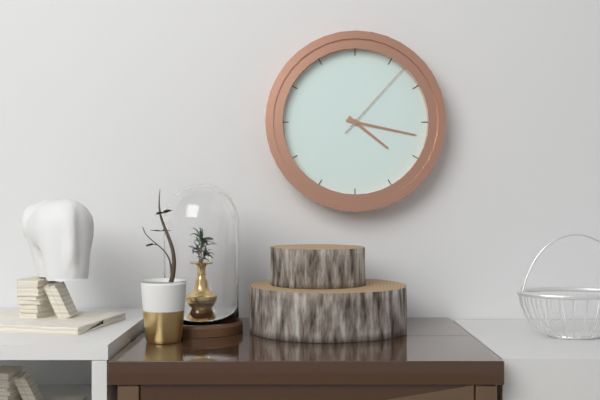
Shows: h=4 m=17 s=7
